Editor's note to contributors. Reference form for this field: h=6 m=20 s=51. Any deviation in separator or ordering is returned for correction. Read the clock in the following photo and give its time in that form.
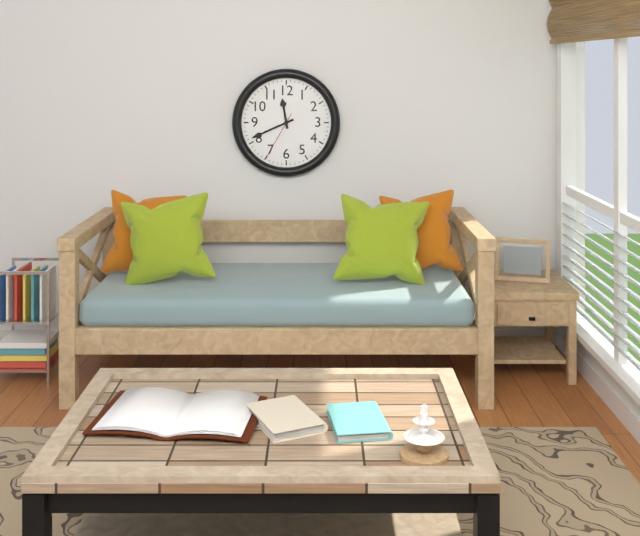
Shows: h=11 m=41 s=35
